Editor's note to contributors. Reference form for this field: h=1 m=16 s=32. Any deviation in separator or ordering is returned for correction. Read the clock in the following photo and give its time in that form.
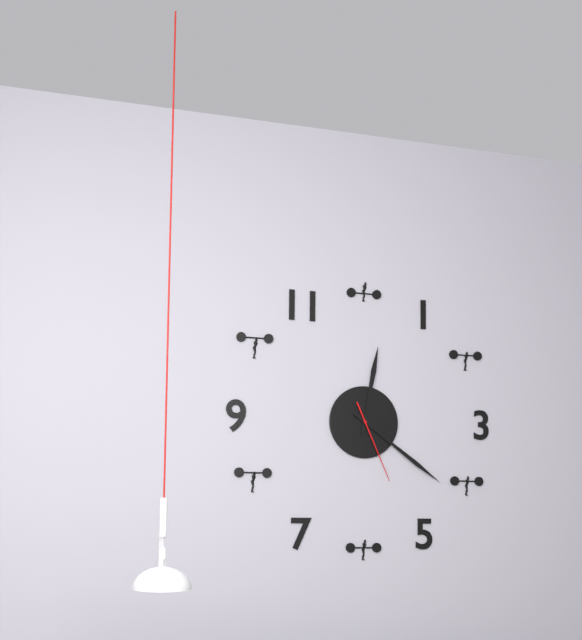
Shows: h=12 m=21 s=26
